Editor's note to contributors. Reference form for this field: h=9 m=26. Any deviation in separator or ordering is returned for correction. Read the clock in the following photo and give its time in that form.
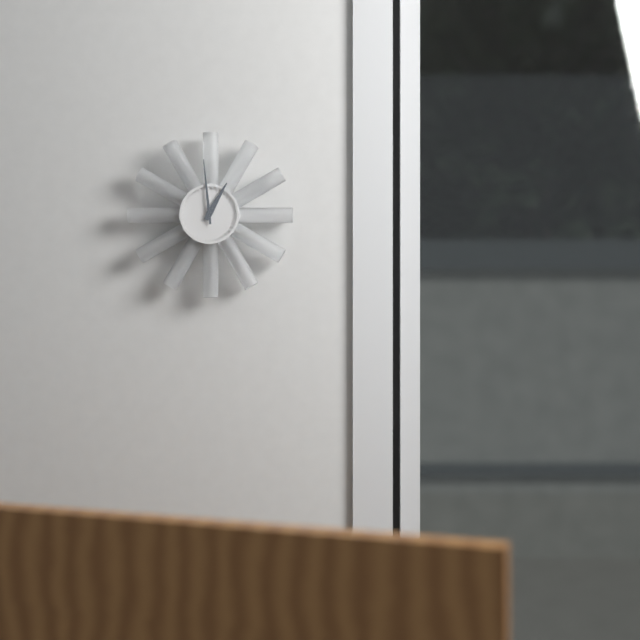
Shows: h=12 m=59
